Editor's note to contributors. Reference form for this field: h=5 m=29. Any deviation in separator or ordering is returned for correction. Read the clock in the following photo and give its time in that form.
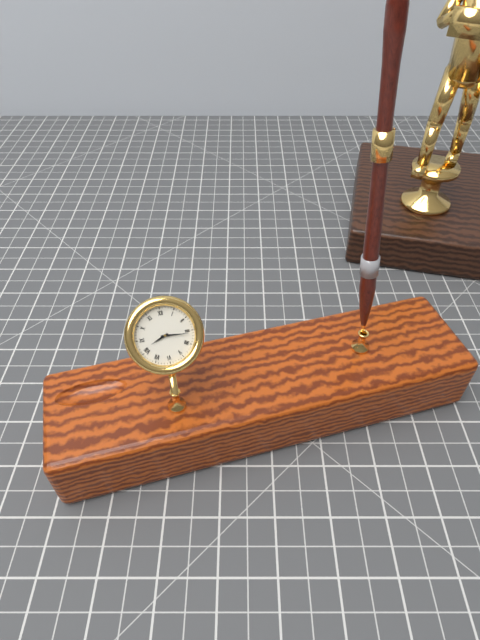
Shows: h=8 m=16
